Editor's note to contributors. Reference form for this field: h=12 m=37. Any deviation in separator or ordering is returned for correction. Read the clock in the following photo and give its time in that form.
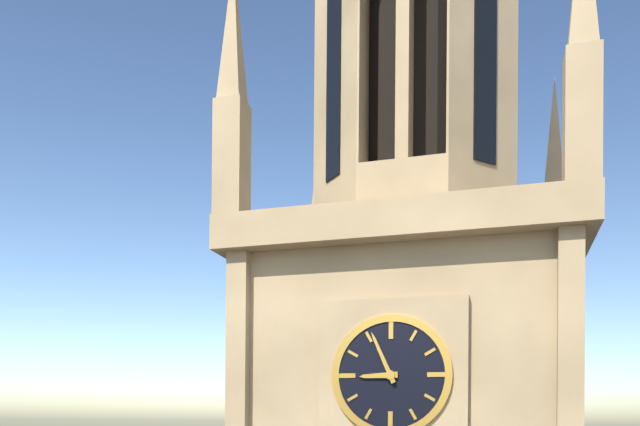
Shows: h=8 m=56
